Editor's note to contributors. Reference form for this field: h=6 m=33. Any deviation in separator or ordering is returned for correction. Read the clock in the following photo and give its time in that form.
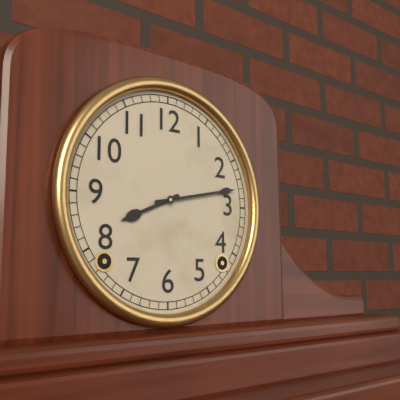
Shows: h=8 m=13
